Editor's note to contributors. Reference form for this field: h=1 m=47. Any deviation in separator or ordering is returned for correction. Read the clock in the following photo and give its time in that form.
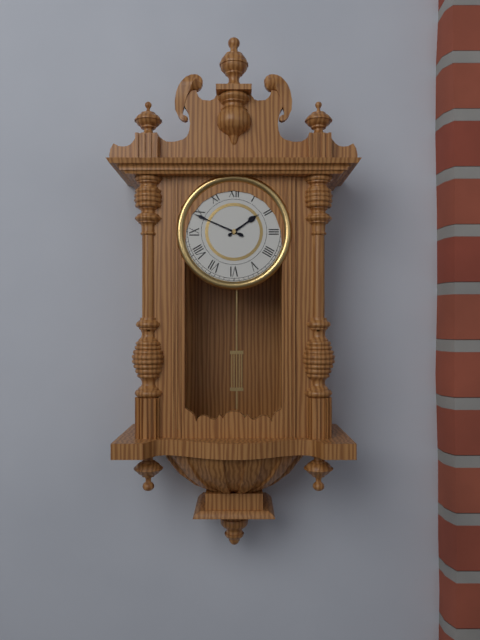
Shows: h=1 m=49
